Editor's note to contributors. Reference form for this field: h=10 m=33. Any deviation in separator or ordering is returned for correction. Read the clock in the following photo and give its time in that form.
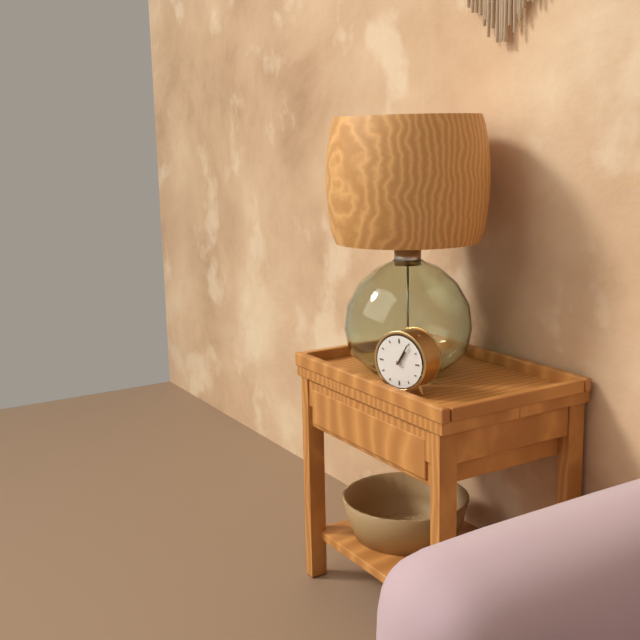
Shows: h=1 m=5
